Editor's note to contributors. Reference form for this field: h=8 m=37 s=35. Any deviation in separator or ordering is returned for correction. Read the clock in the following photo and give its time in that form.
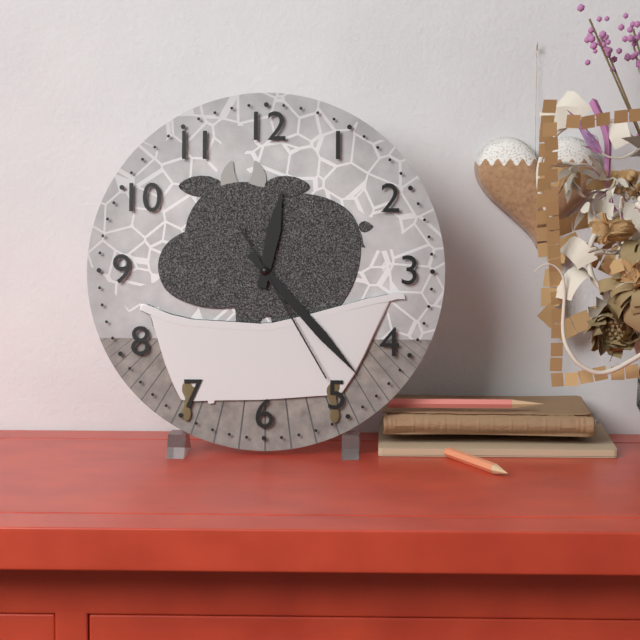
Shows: h=12 m=23 s=25
